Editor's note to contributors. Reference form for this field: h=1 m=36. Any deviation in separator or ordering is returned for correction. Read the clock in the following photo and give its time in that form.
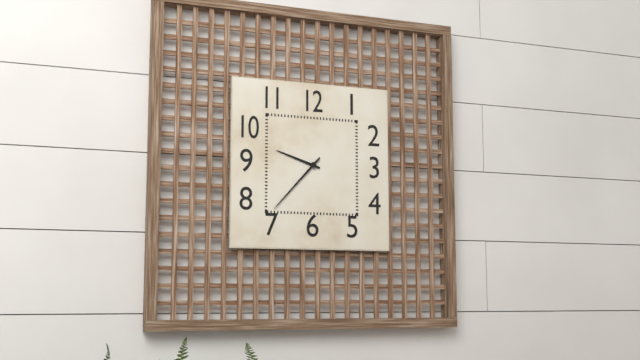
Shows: h=9 m=37
